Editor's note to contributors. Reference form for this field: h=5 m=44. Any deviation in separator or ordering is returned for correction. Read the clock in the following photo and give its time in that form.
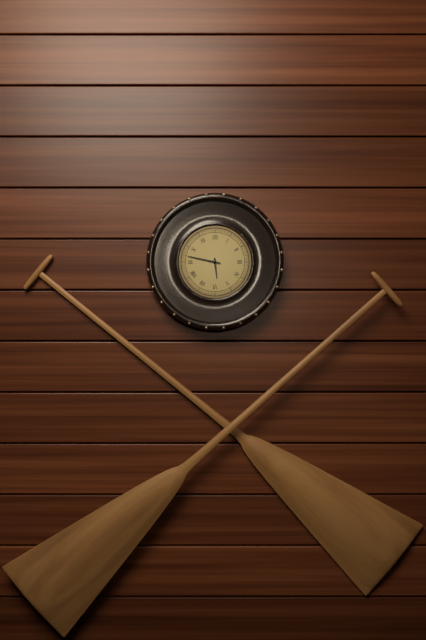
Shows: h=5 m=47
